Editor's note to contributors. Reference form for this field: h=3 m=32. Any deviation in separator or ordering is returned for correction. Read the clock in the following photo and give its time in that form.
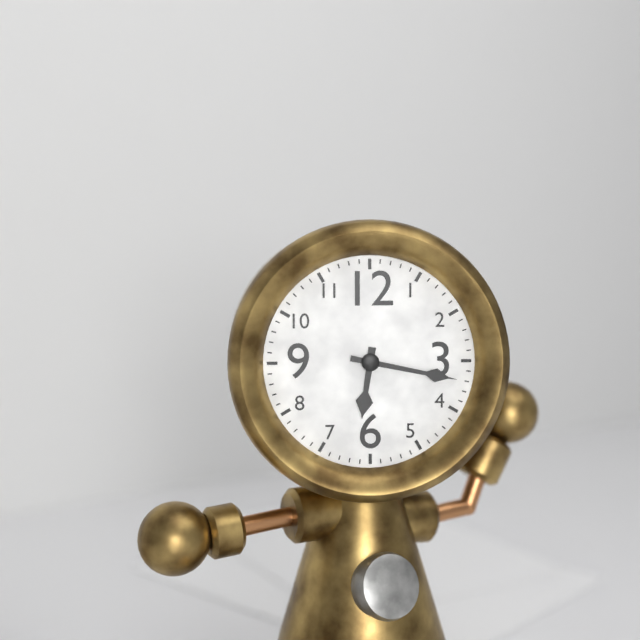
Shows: h=6 m=17
